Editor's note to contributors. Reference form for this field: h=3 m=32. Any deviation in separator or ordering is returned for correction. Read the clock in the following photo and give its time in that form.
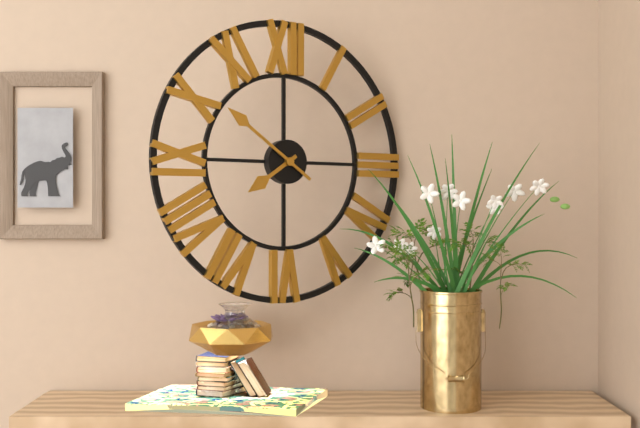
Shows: h=7 m=51
